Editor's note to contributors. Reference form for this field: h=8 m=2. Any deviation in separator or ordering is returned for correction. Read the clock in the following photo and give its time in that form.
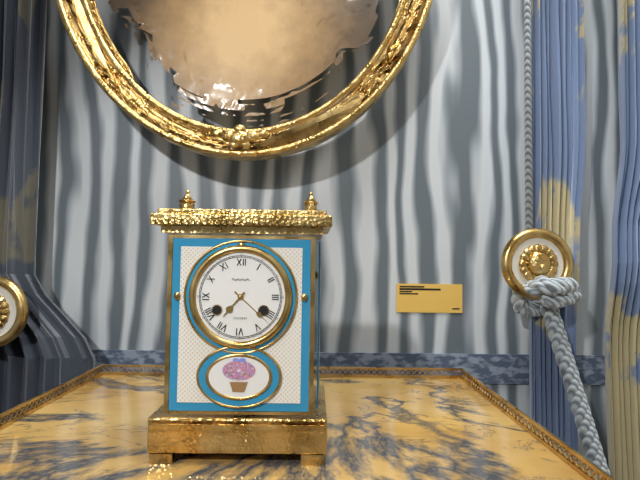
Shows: h=7 m=22
